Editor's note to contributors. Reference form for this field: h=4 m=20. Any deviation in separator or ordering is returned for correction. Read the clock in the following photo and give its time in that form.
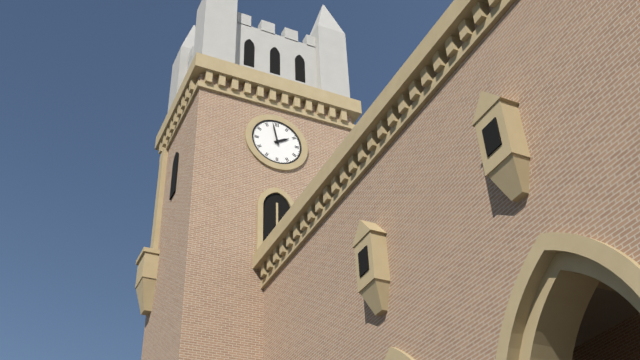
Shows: h=1 m=58
